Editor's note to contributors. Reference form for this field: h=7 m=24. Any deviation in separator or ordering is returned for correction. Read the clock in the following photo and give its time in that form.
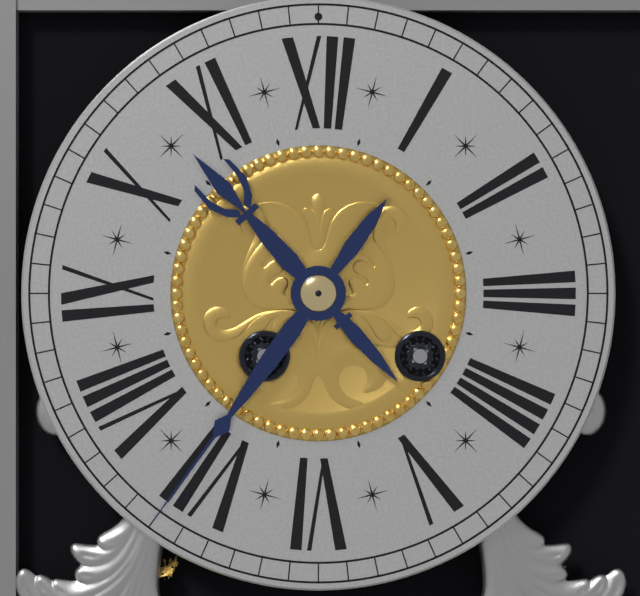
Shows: h=10 m=36
